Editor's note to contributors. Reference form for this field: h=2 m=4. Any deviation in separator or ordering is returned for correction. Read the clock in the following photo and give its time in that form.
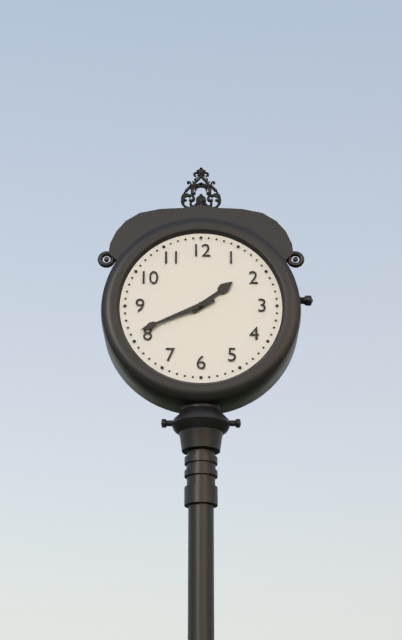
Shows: h=1 m=41
